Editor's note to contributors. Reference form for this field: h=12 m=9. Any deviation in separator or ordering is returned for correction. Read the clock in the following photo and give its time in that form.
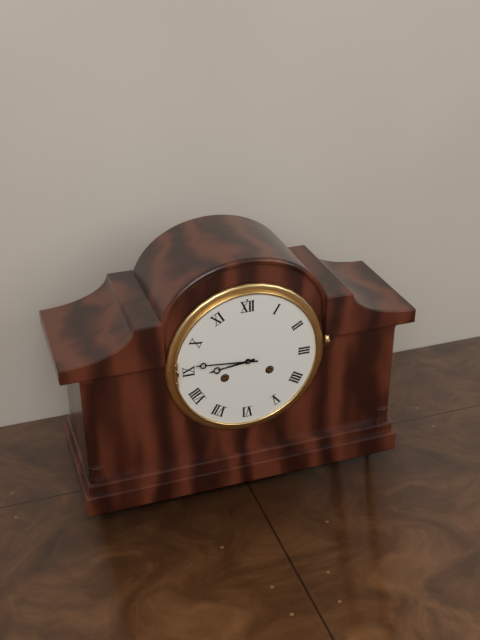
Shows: h=8 m=46
